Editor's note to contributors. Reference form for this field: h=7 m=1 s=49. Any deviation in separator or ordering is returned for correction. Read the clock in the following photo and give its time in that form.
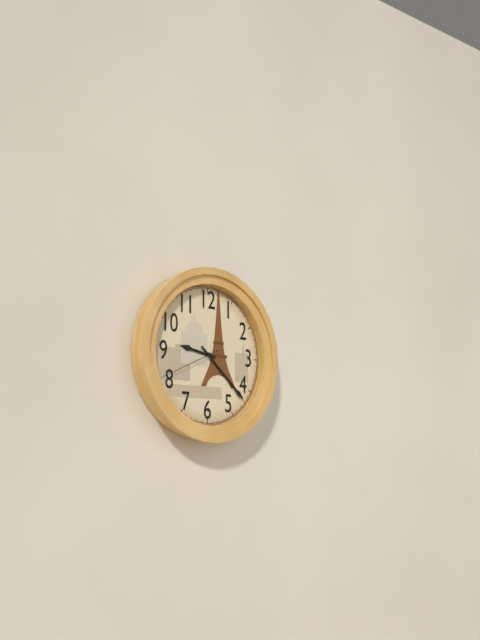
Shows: h=9 m=22 s=41
